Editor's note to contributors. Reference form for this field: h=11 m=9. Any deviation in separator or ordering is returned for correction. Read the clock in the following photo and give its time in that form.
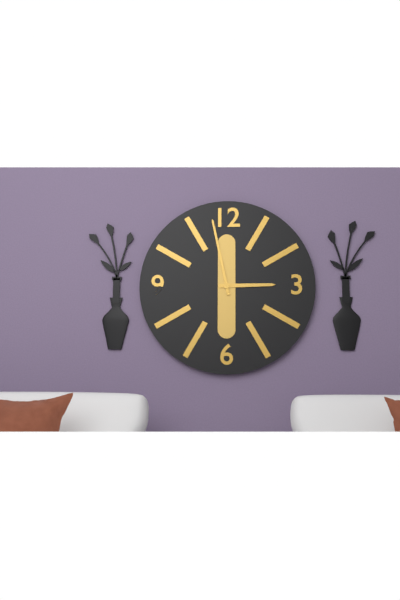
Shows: h=2 m=58
